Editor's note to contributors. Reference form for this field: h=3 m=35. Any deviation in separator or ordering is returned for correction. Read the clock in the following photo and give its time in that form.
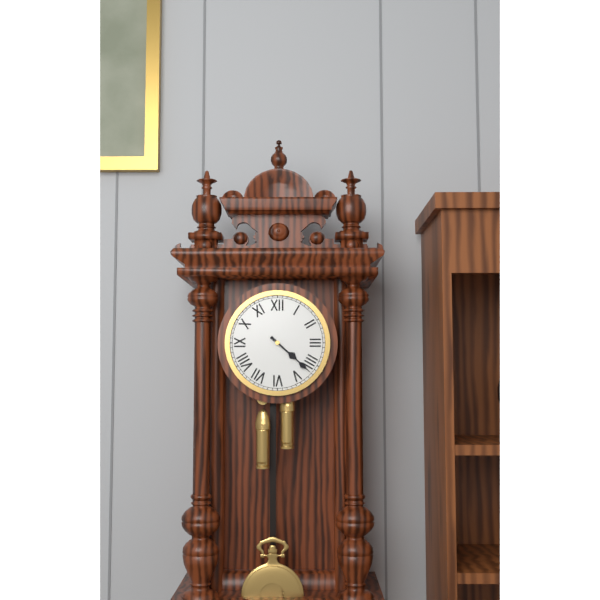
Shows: h=4 m=22
